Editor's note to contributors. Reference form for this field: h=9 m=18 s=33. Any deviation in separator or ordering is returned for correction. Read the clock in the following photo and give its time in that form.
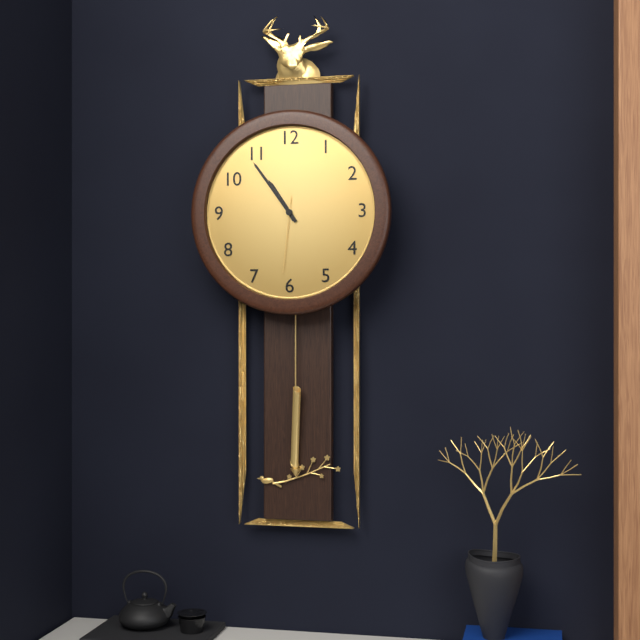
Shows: h=10 m=54 s=31
